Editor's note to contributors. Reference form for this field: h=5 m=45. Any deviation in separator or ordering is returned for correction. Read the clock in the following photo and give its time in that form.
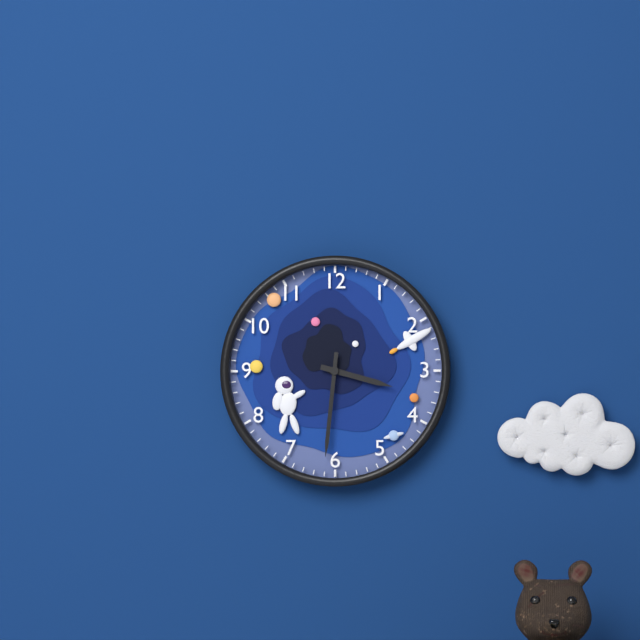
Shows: h=3 m=31
